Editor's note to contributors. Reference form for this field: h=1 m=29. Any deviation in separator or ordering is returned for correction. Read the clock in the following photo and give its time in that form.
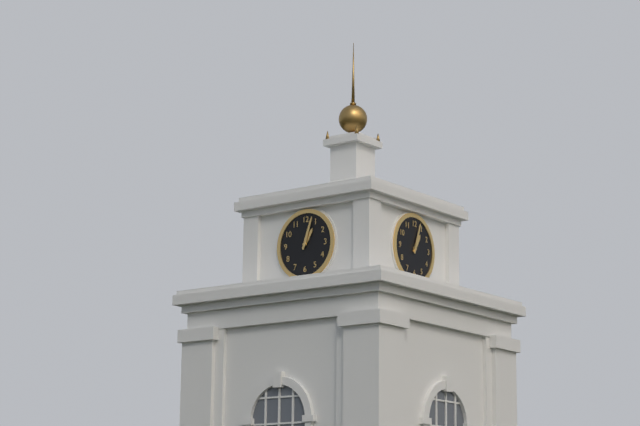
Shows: h=1 m=3
